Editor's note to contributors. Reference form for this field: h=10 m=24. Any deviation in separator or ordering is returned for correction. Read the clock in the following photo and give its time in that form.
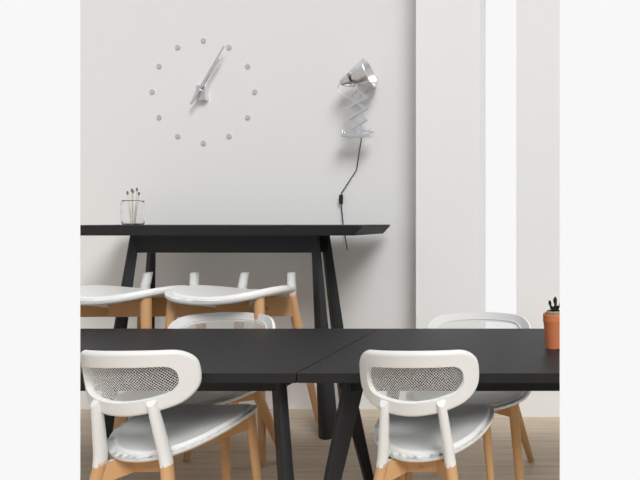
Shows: h=1 m=5
